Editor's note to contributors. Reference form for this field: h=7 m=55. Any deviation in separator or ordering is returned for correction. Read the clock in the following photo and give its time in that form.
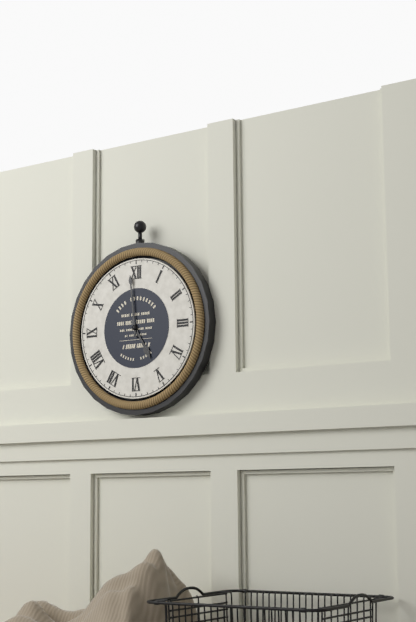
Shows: h=4 m=59
